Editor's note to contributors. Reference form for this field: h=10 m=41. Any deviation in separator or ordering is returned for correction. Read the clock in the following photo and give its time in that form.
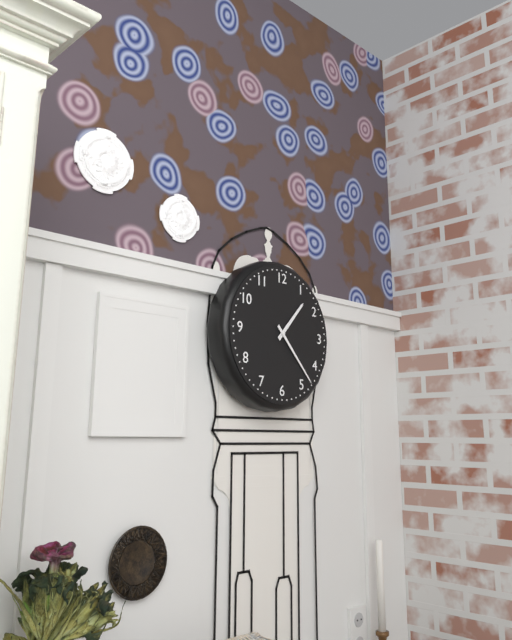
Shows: h=1 m=23
